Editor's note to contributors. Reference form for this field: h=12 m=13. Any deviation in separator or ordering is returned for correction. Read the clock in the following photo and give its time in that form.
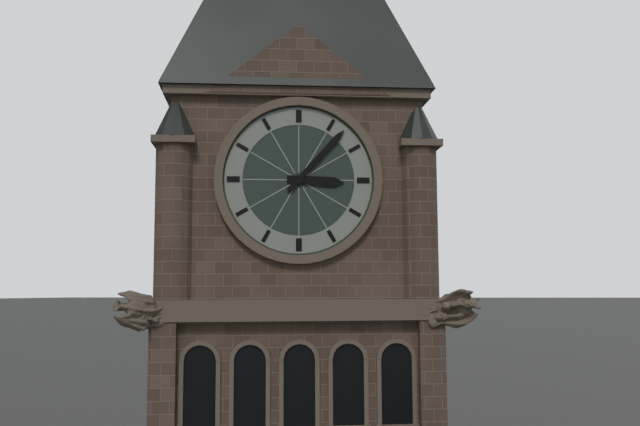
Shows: h=3 m=7
